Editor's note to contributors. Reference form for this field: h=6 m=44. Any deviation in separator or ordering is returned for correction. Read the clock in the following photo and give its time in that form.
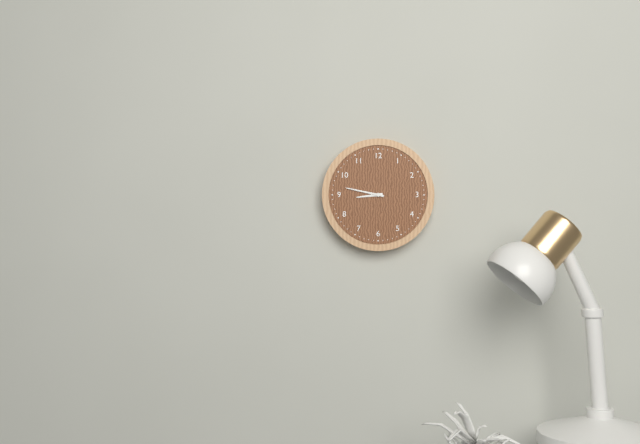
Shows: h=8 m=47
